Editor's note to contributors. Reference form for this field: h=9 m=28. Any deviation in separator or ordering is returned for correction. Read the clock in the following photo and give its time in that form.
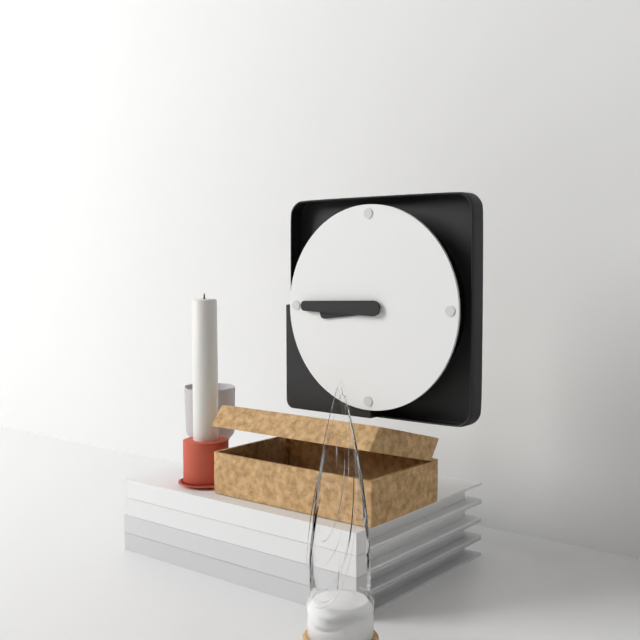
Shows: h=8 m=45
